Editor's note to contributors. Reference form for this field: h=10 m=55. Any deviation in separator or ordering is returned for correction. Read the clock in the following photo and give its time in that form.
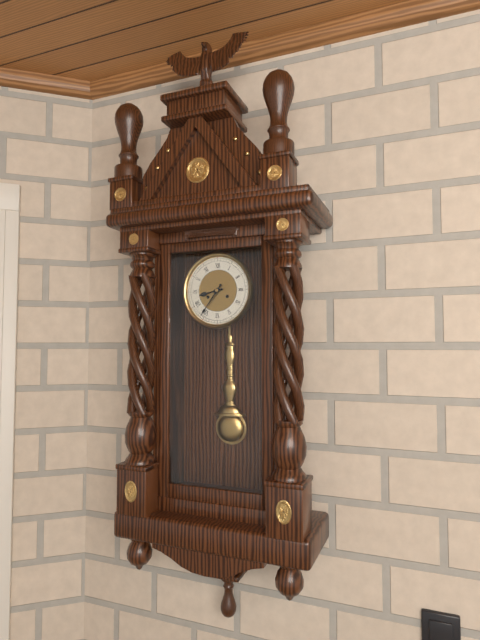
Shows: h=8 m=36
